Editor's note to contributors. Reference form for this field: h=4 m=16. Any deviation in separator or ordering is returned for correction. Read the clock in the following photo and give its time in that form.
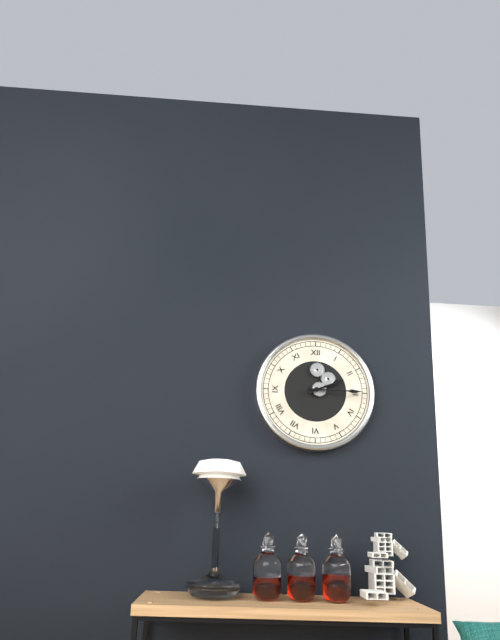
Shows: h=2 m=15
